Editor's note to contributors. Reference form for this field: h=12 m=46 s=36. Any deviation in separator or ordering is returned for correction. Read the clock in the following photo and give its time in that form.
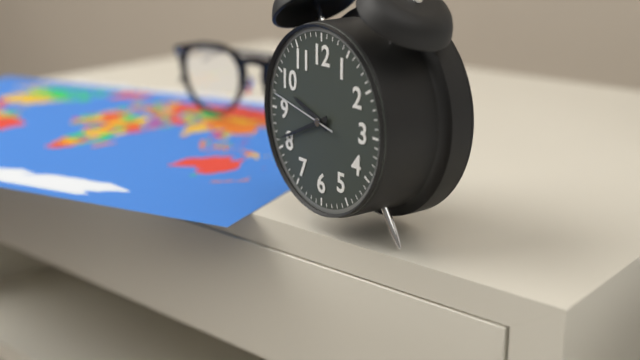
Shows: h=9 m=41 s=47
